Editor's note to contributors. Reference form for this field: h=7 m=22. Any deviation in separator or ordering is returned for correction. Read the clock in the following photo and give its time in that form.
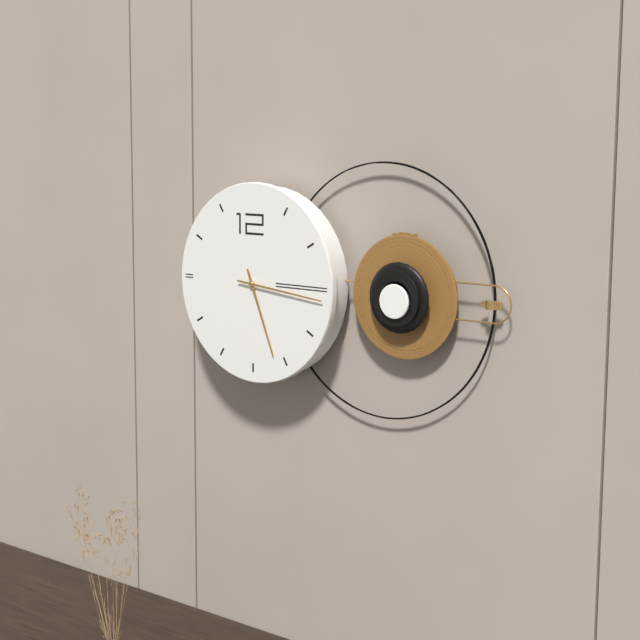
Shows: h=5 m=16
